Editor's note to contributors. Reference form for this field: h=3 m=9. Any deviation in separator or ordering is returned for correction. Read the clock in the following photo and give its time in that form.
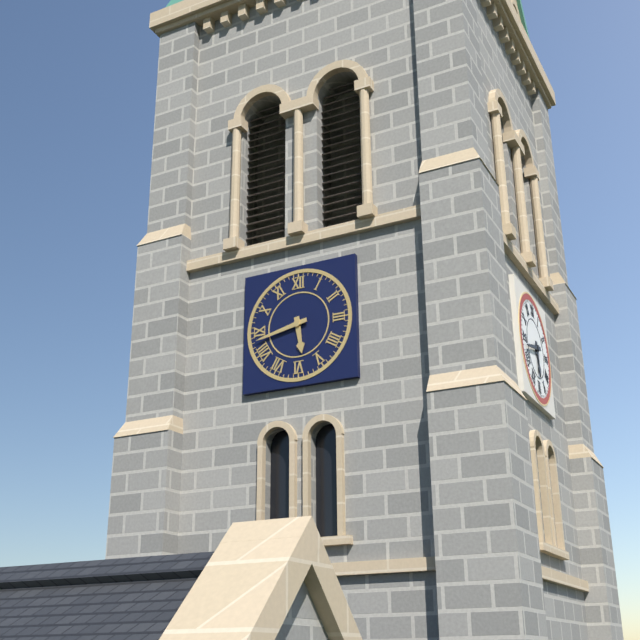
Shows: h=5 m=43
